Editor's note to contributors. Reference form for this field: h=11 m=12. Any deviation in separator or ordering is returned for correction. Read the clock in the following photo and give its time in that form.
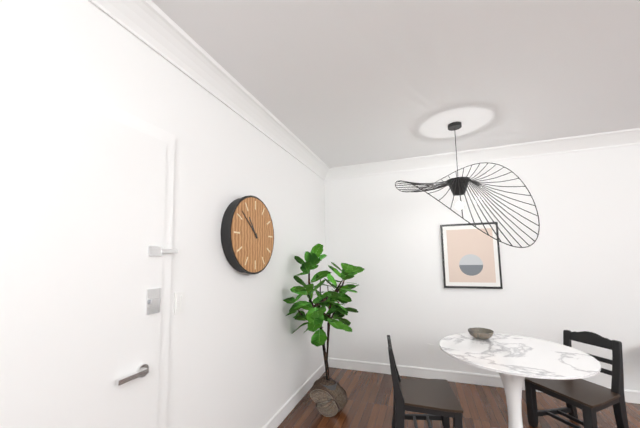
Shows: h=10 m=52
